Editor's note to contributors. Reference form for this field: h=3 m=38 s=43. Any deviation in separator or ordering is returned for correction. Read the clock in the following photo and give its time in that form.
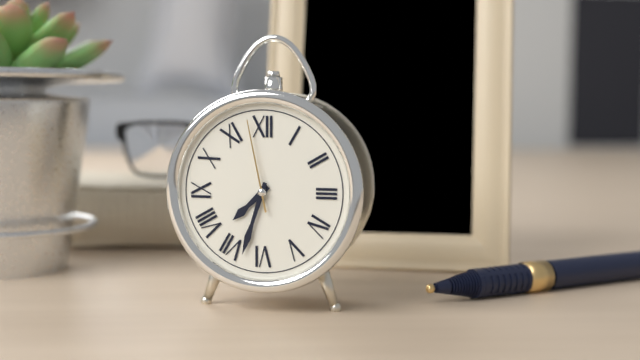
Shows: h=7 m=33 s=58
